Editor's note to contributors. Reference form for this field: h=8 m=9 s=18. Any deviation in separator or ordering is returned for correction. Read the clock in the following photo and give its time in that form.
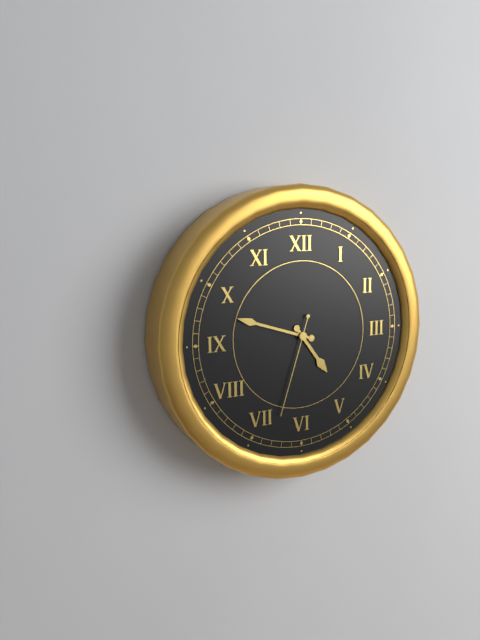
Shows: h=4 m=48 s=33
